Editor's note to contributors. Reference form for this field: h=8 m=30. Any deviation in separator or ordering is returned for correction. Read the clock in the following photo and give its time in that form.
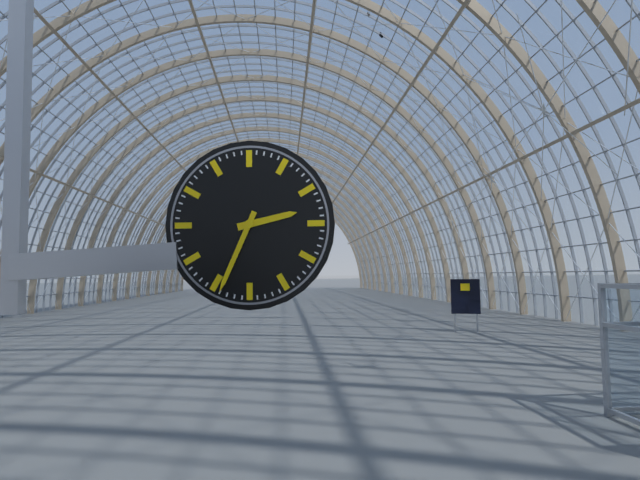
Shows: h=2 m=34
